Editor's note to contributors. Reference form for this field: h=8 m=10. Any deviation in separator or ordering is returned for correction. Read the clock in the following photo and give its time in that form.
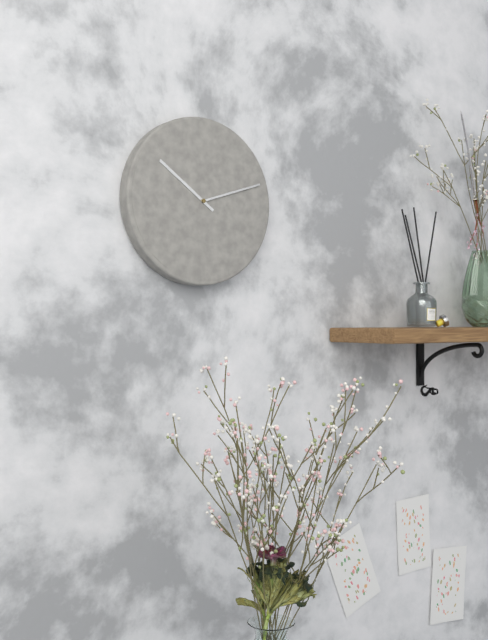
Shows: h=10 m=12
